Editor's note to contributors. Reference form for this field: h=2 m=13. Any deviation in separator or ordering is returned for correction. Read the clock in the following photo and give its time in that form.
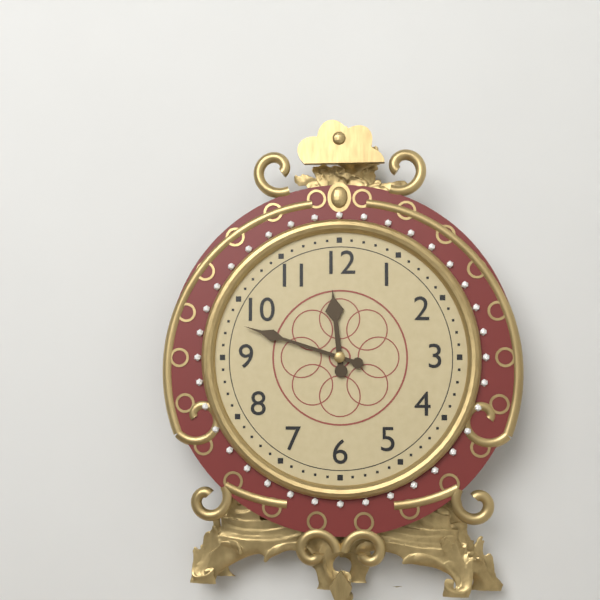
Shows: h=11 m=48
